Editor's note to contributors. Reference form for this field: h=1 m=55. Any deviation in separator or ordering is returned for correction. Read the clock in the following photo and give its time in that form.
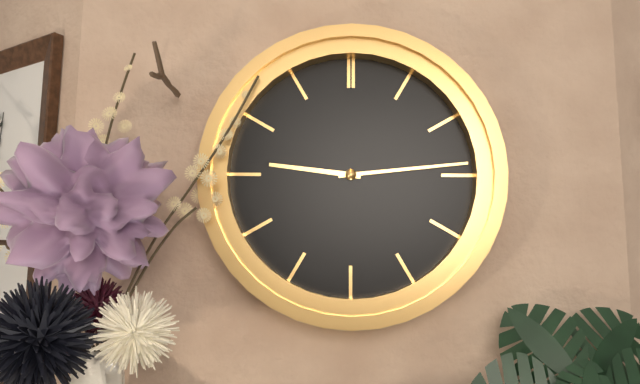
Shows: h=9 m=14
